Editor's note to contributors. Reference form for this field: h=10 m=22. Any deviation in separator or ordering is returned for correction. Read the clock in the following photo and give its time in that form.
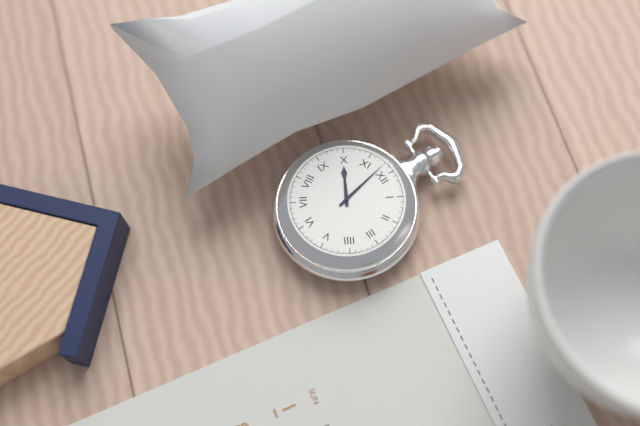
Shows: h=9 m=58
